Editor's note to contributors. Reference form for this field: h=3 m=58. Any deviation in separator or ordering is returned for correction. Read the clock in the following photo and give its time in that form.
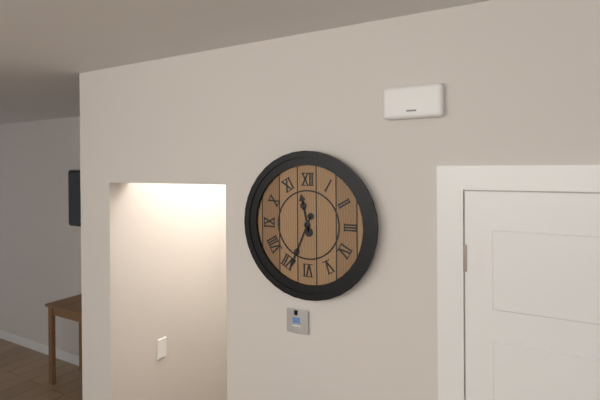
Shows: h=11 m=34
